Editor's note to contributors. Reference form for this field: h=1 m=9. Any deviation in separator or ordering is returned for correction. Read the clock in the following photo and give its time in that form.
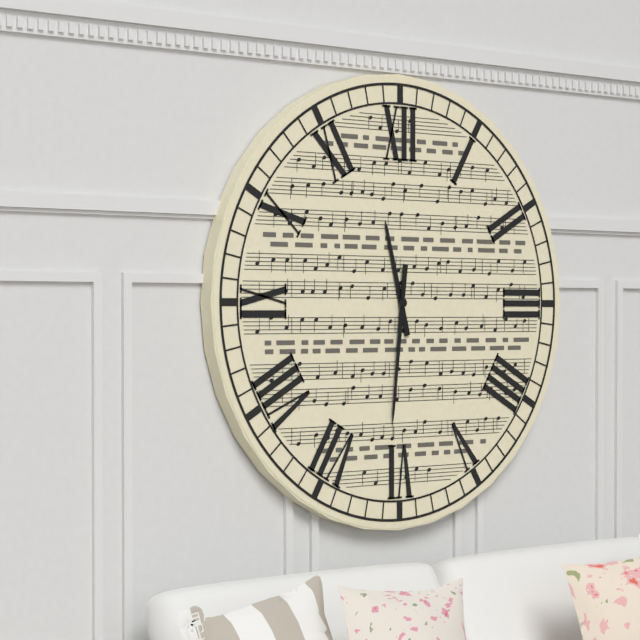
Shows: h=11 m=31
